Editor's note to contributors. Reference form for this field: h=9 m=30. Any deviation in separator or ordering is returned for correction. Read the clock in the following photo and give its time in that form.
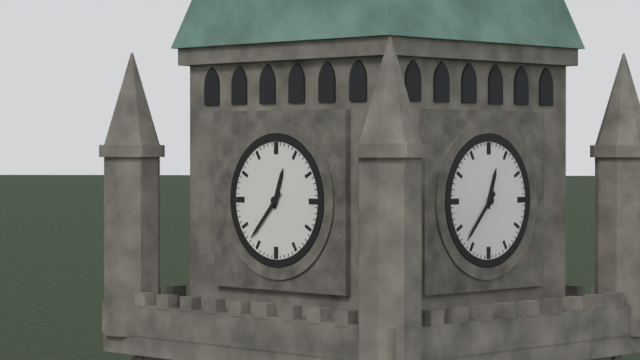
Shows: h=12 m=37
